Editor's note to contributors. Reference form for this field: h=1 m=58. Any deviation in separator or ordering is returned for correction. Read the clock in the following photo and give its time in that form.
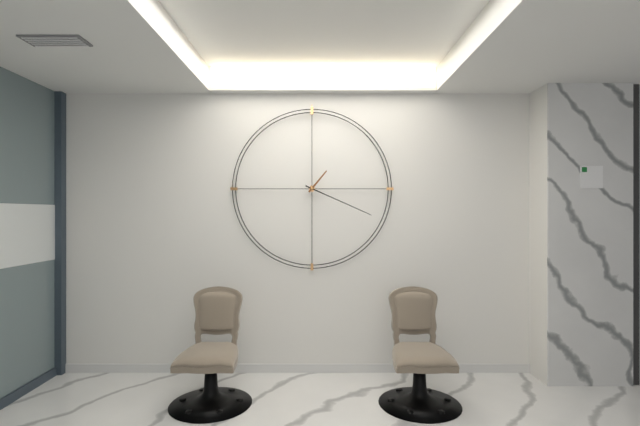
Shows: h=1 m=19
